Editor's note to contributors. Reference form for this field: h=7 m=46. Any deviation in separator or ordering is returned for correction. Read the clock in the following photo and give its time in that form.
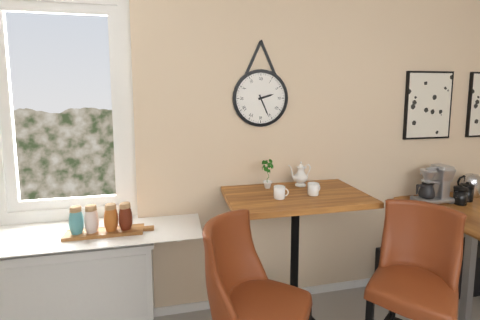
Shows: h=2 m=26
